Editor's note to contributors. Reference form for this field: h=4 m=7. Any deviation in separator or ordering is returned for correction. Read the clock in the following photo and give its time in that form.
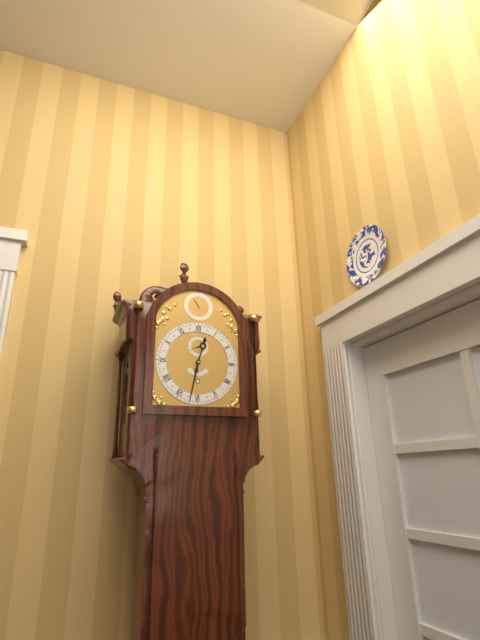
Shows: h=12 m=32
